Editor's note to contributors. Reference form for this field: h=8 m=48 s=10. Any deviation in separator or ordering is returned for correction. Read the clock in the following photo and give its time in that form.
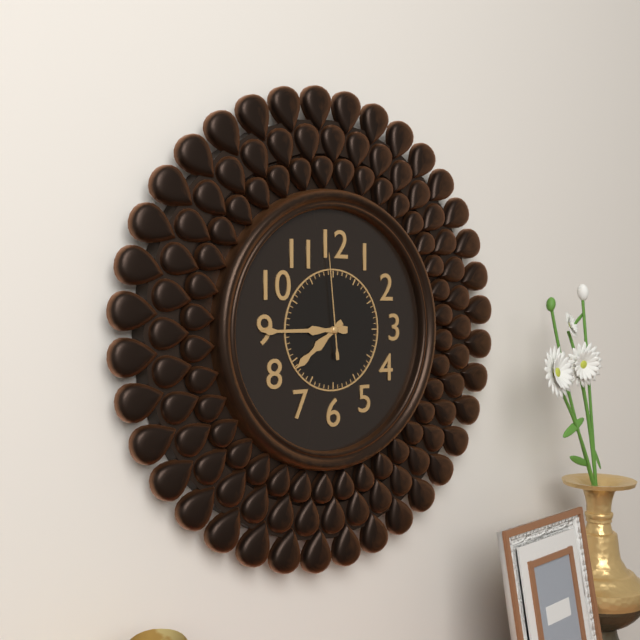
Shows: h=7 m=45 s=59
